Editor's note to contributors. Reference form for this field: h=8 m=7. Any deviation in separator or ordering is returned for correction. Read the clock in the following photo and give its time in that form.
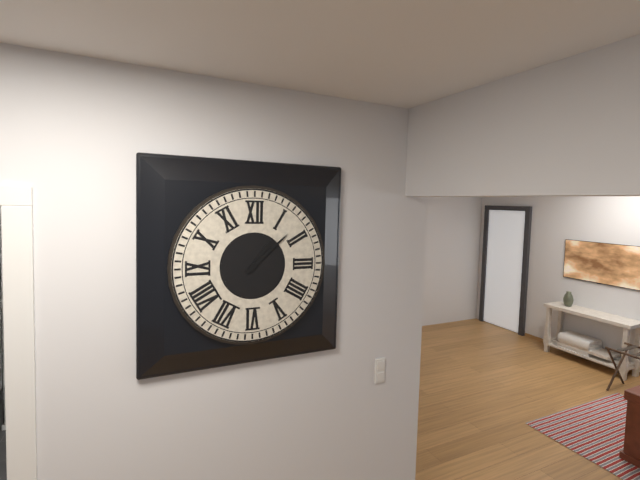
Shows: h=1 m=8
